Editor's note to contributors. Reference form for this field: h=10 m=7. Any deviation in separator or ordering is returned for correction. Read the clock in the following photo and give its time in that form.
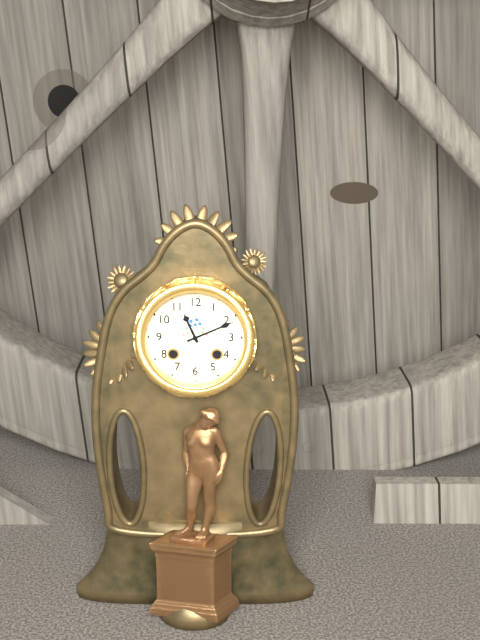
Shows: h=11 m=11
